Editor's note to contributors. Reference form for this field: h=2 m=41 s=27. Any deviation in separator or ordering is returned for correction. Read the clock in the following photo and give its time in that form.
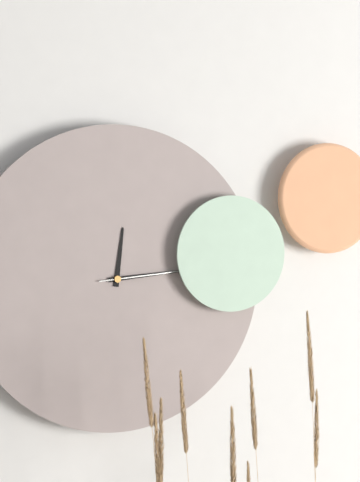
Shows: h=12 m=14 s=14
